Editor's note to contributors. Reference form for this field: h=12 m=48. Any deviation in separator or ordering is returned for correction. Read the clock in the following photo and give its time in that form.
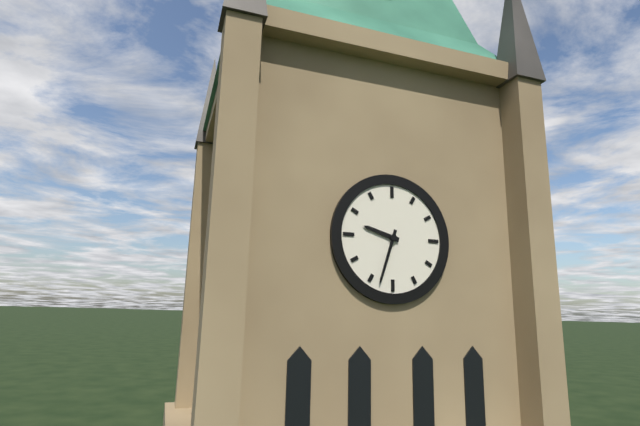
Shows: h=9 m=33
